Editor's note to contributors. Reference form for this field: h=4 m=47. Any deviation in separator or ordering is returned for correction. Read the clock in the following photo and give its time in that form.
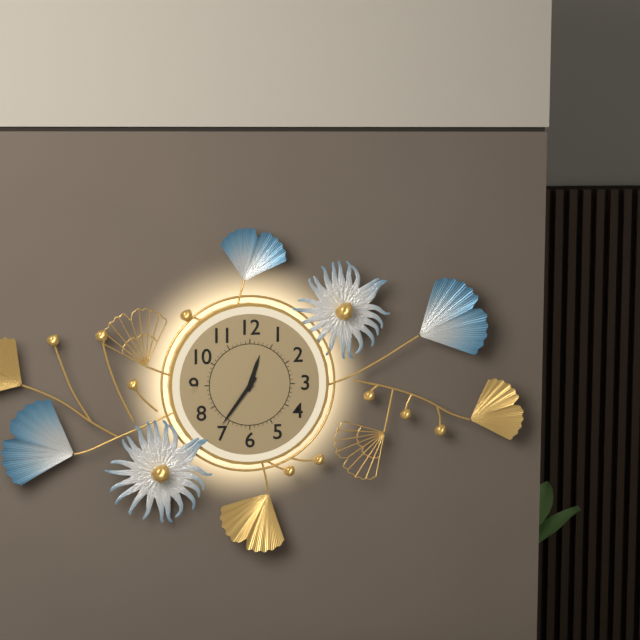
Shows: h=12 m=36
